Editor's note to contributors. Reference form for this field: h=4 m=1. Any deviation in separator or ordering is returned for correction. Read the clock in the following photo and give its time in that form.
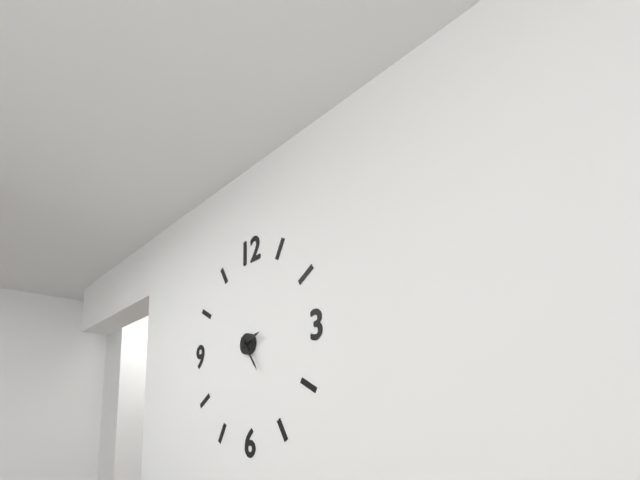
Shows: h=2 m=24
